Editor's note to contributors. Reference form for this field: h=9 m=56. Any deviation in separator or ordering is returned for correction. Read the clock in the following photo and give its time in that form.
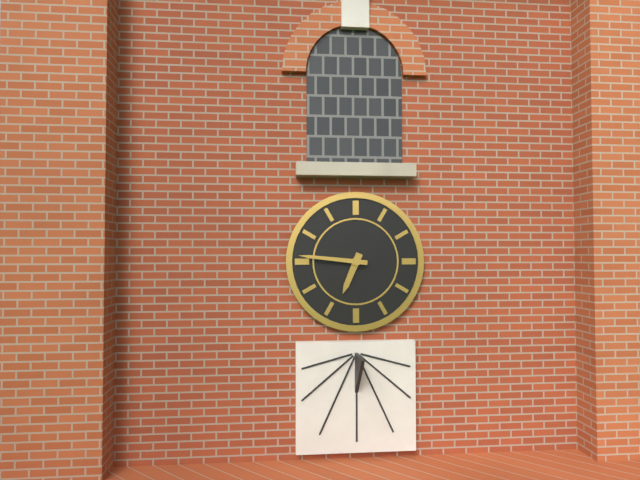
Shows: h=6 m=46
